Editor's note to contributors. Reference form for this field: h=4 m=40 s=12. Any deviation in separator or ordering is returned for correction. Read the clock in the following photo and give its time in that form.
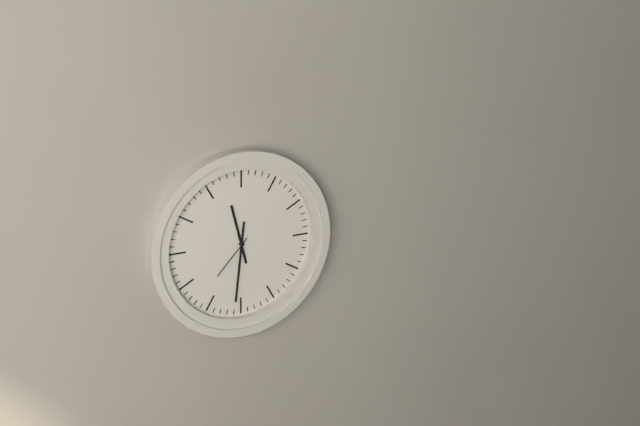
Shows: h=11 m=31 s=37
